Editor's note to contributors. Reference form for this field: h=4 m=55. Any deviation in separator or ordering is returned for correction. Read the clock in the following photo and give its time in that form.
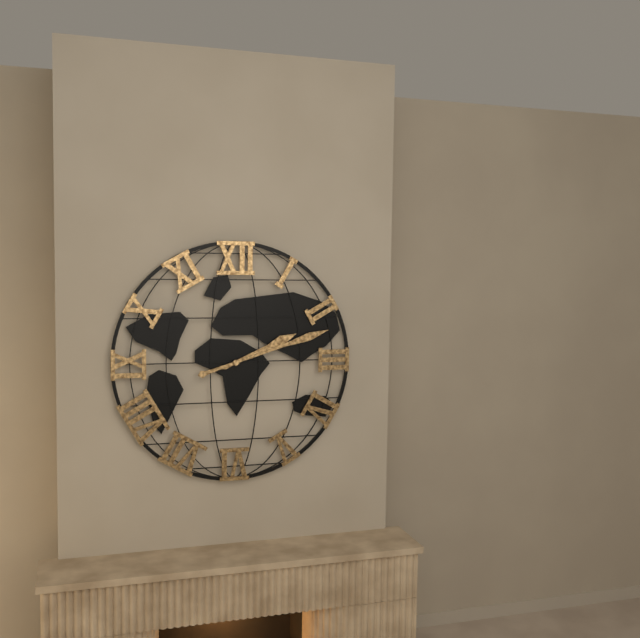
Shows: h=2 m=12
